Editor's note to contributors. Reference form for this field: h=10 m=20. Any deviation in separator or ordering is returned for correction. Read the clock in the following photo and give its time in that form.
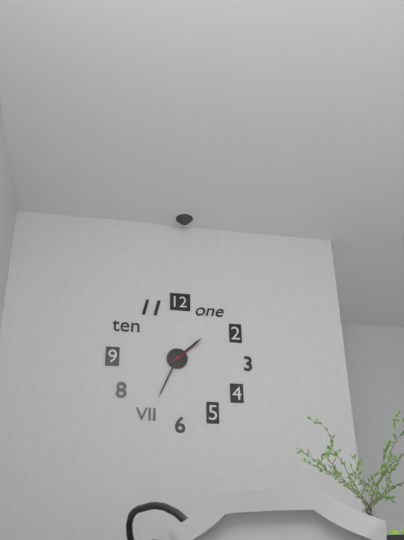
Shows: h=1 m=34
